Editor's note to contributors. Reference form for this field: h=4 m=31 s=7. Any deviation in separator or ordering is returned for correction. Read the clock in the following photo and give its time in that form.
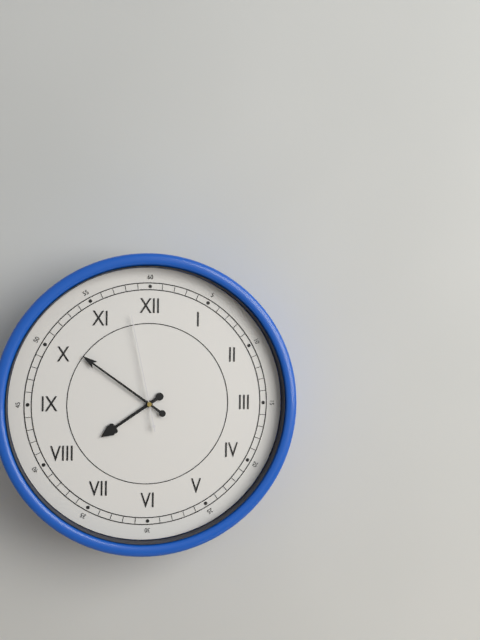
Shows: h=7 m=51 s=58
